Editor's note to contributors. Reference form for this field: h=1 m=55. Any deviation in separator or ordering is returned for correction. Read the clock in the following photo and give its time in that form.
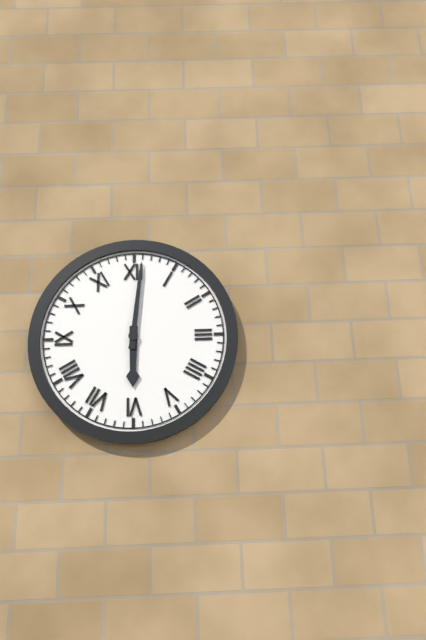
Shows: h=6 m=1
